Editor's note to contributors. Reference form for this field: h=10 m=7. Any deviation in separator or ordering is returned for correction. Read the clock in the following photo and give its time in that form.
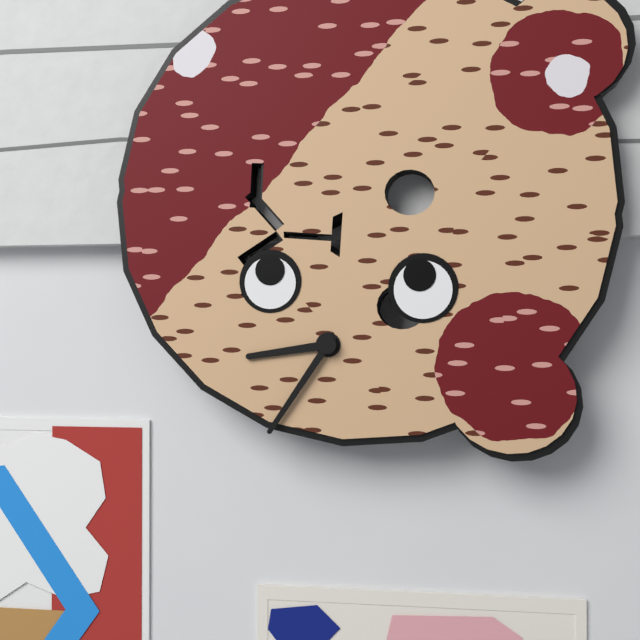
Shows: h=8 m=35
